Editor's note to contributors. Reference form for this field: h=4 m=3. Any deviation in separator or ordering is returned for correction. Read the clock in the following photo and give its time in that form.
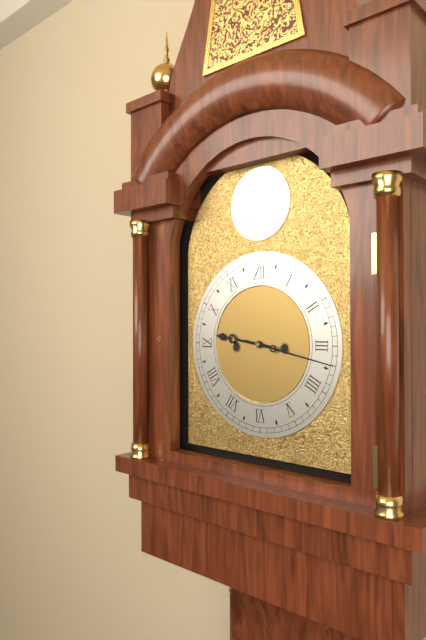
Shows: h=9 m=17
